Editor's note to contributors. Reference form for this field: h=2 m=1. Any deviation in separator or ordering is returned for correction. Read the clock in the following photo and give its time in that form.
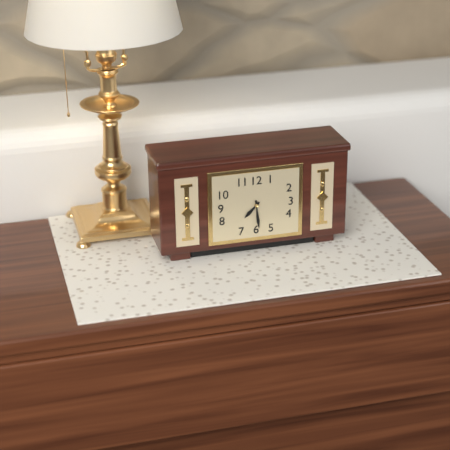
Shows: h=7 m=29
